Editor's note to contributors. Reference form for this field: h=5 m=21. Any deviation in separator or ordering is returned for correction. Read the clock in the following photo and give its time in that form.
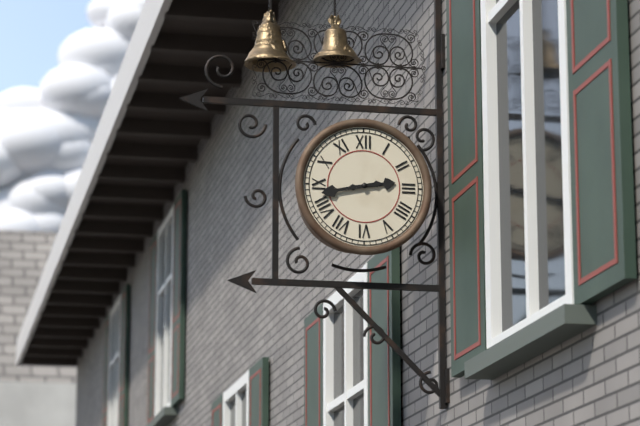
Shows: h=2 m=43
